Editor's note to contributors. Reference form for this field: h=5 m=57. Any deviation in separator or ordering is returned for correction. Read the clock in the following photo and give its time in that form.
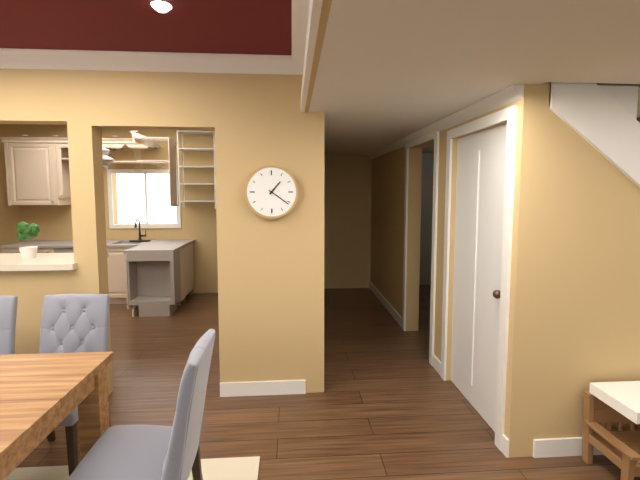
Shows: h=1 m=21
